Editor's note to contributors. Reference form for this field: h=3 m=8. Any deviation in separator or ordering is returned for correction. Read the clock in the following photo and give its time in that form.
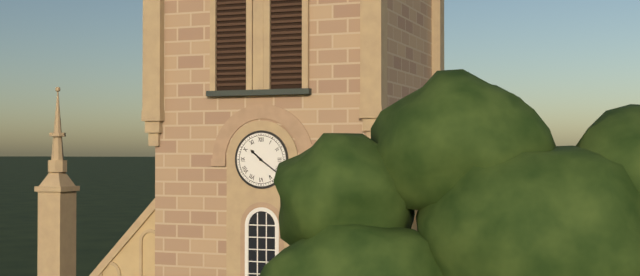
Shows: h=10 m=21
